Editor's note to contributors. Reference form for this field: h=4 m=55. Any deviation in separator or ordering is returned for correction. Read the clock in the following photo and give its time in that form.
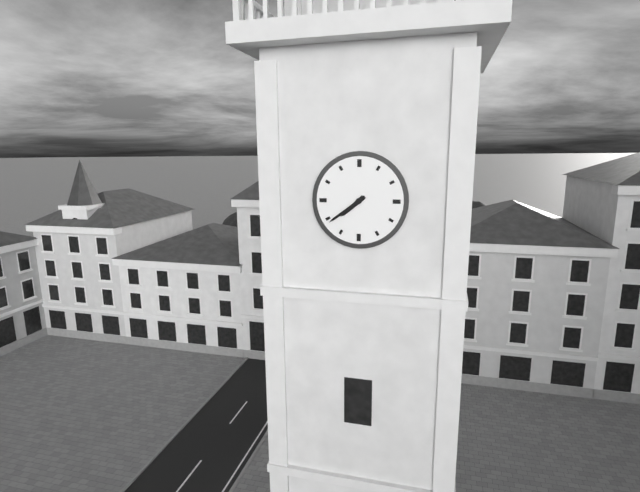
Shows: h=7 m=39
